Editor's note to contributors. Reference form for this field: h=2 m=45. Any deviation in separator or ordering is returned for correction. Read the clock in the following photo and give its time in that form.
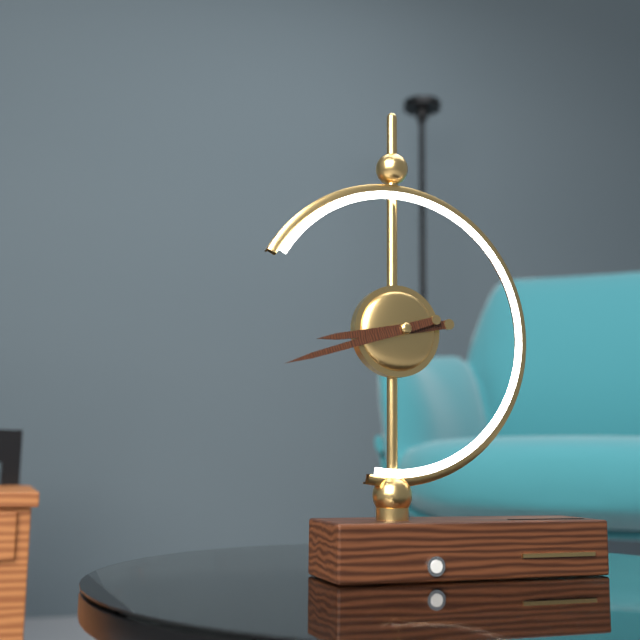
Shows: h=8 m=42
